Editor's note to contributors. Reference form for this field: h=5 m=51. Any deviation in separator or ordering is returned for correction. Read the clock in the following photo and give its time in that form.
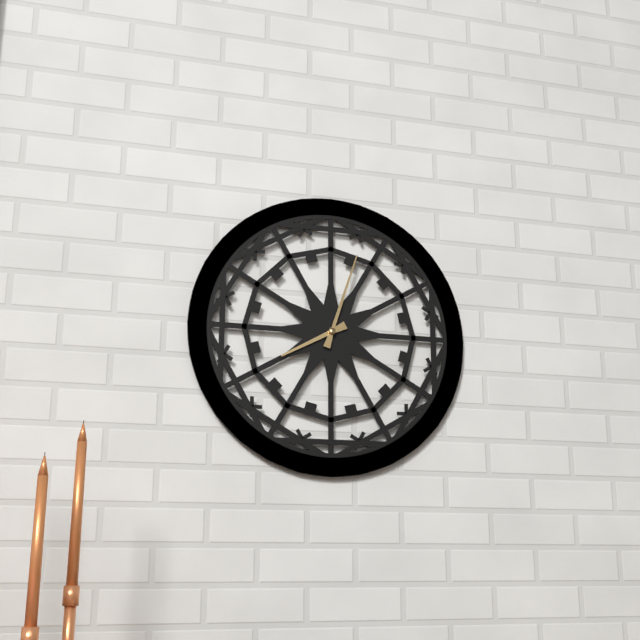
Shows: h=8 m=3
